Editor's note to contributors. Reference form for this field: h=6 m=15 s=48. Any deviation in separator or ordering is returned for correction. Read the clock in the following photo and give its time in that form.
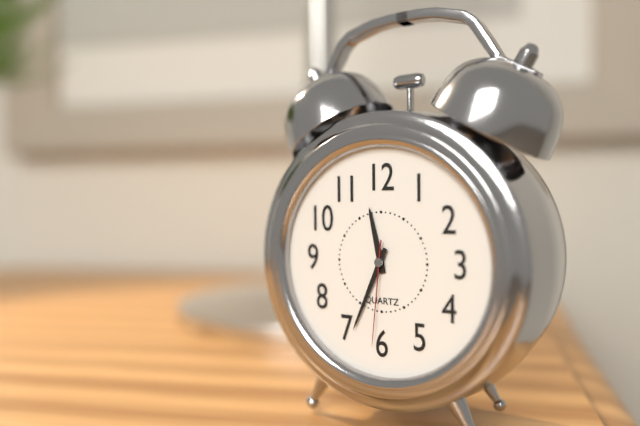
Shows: h=11 m=34 s=31
